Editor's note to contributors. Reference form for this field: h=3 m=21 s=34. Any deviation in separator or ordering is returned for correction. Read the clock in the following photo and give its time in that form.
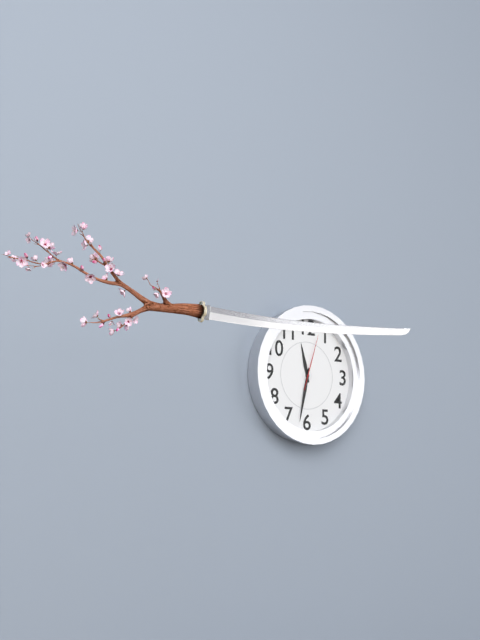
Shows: h=11 m=32 s=3
